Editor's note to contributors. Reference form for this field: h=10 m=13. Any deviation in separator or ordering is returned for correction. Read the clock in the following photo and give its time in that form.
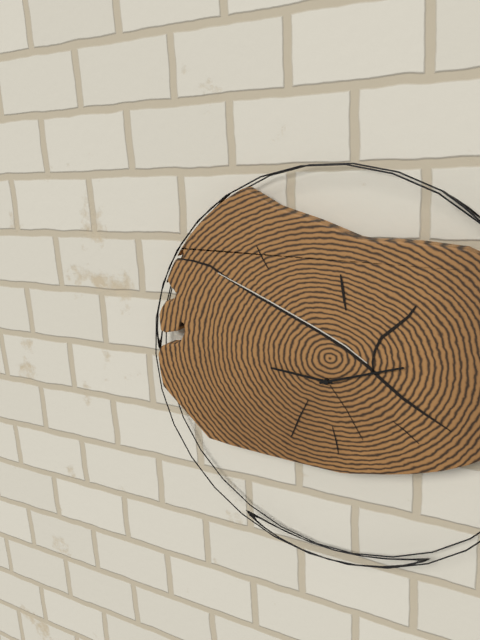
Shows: h=9 m=12
